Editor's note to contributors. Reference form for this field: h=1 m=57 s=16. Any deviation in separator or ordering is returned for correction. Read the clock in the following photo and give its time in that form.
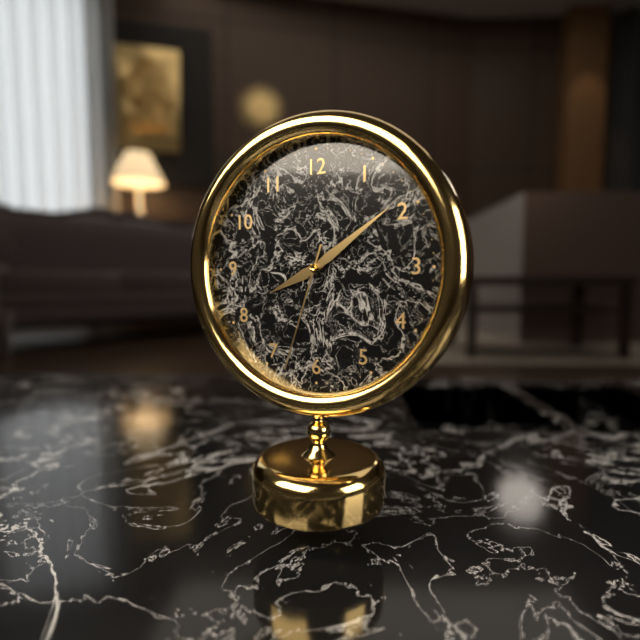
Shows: h=8 m=9 s=33
